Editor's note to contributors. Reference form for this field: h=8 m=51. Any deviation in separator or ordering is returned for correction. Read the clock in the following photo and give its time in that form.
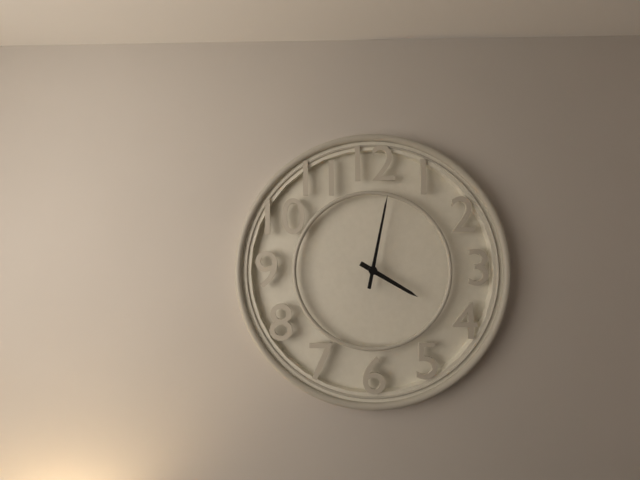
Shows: h=4 m=2
